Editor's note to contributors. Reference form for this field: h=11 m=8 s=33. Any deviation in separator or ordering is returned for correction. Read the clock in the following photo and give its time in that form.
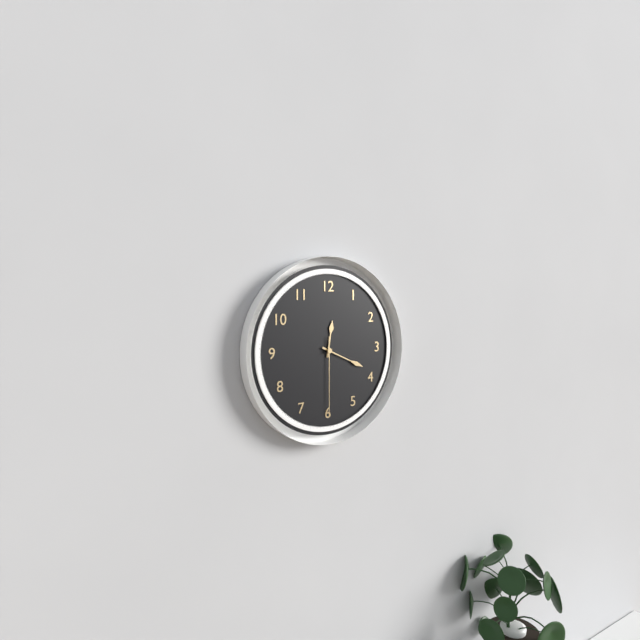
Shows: h=12 m=19 s=30
